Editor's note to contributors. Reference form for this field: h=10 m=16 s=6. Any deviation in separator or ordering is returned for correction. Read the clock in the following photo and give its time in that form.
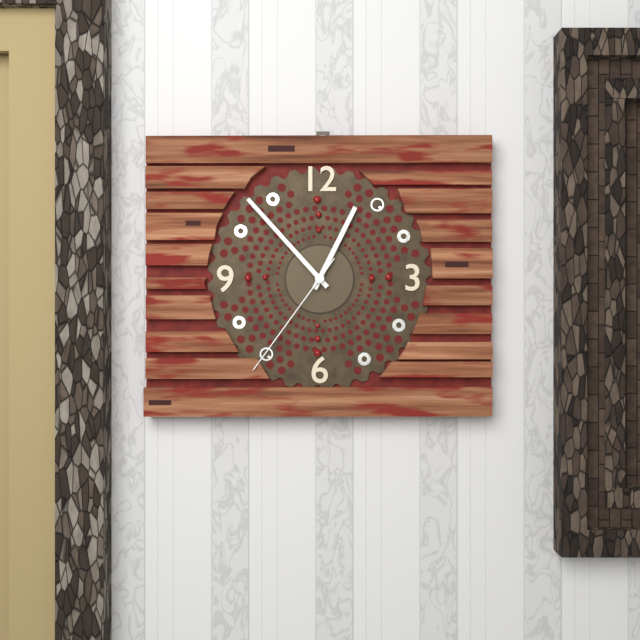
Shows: h=12 m=53 s=36
